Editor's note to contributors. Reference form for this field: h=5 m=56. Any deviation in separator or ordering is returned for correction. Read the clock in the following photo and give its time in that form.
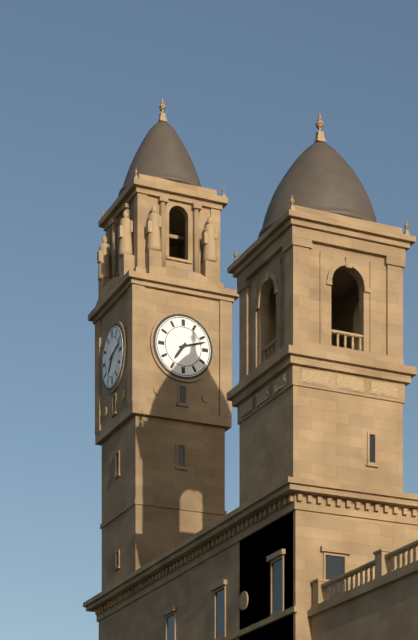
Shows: h=7 m=12
